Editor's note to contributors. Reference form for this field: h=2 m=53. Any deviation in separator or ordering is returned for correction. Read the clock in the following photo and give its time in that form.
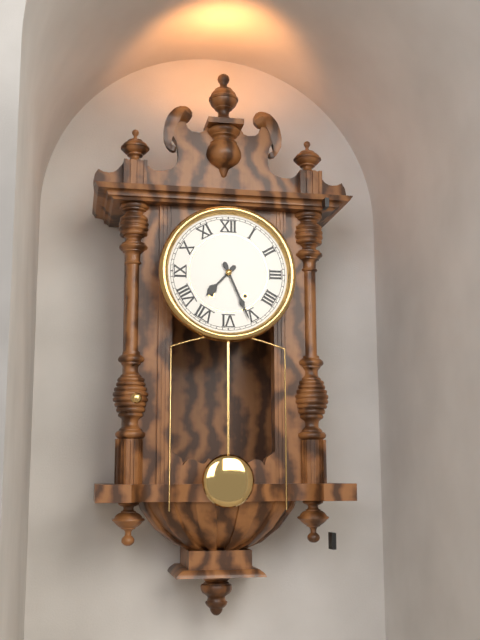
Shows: h=7 m=26
